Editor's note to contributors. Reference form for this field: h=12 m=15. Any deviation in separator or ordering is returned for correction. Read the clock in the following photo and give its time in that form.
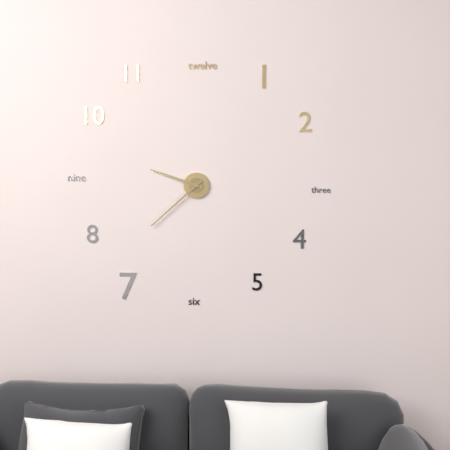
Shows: h=9 m=38
